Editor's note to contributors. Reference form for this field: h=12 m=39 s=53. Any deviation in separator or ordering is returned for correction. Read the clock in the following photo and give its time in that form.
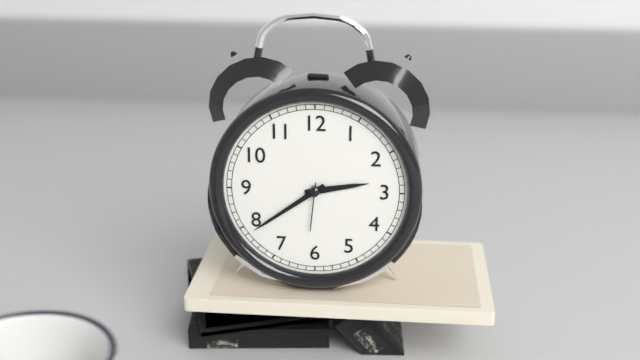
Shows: h=2 m=39 s=31
